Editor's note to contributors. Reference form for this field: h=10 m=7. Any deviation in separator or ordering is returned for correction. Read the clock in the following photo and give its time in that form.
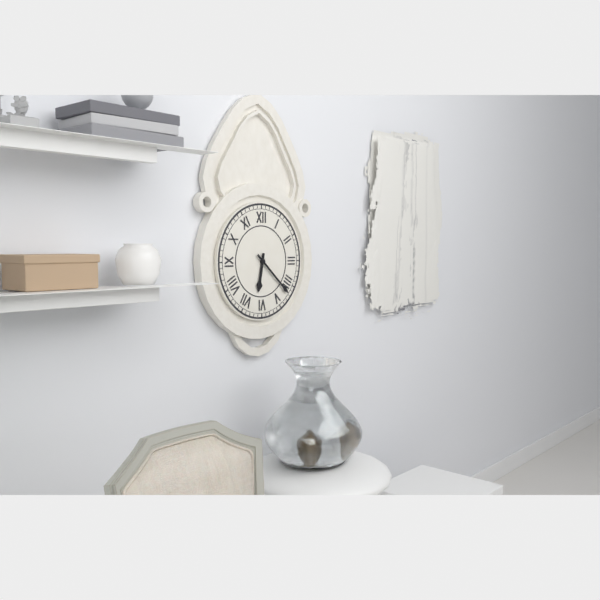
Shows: h=6 m=22
